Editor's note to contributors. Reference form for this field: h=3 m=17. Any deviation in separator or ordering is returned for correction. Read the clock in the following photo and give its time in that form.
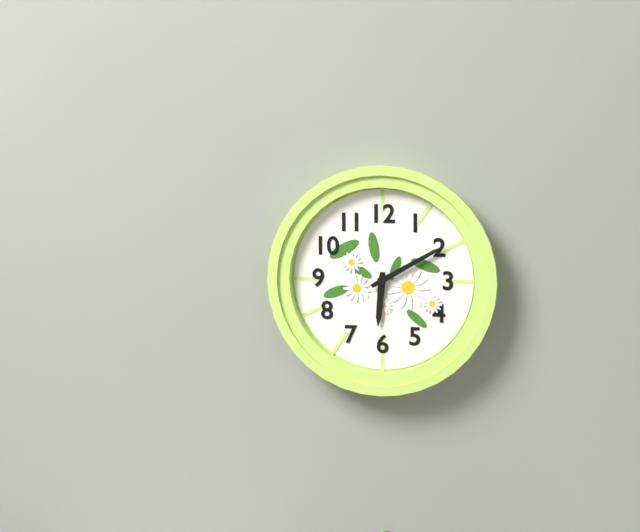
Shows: h=6 m=10
